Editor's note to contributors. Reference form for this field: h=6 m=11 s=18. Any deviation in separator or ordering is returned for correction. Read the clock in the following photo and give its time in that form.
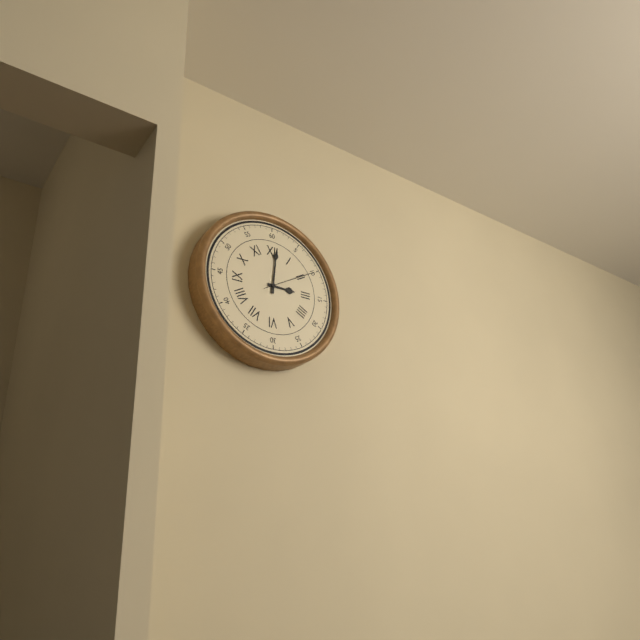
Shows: h=3 m=1 s=10
